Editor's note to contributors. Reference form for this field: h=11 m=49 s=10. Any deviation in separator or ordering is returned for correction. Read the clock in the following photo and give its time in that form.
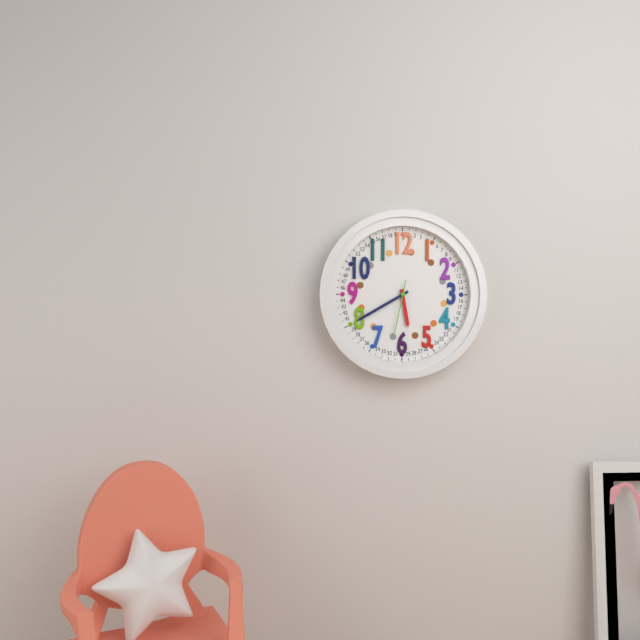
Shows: h=5 m=40 s=32
